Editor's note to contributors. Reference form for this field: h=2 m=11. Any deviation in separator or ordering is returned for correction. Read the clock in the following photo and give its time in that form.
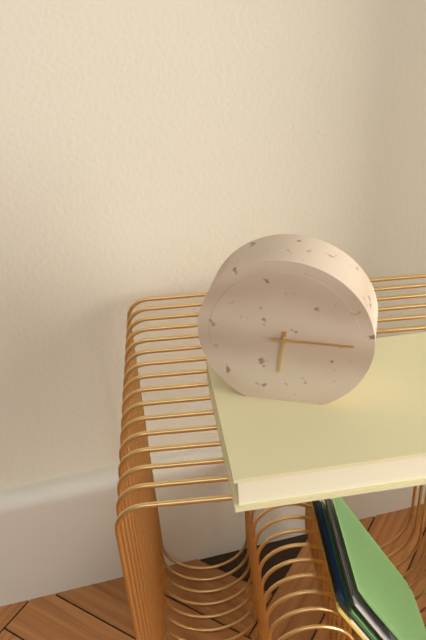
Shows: h=6 m=15
